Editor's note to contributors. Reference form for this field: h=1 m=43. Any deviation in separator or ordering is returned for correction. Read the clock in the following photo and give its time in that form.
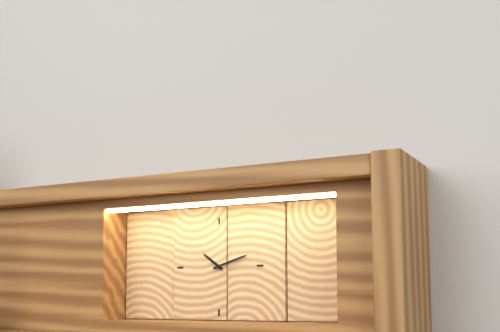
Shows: h=10 m=12
